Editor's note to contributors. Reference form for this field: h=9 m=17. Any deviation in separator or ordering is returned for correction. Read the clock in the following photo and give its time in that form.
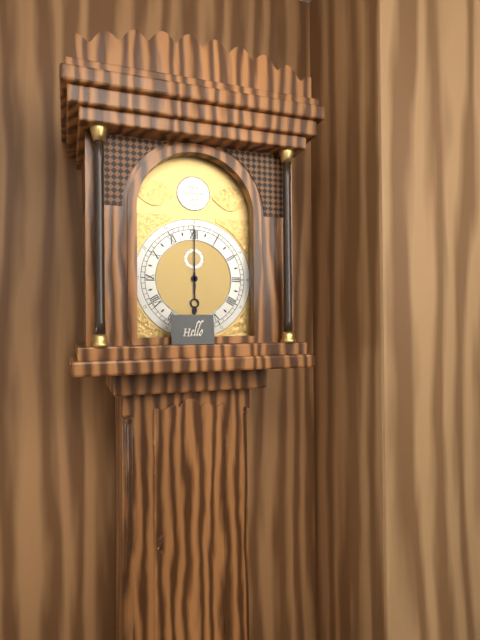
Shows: h=6 m=0
